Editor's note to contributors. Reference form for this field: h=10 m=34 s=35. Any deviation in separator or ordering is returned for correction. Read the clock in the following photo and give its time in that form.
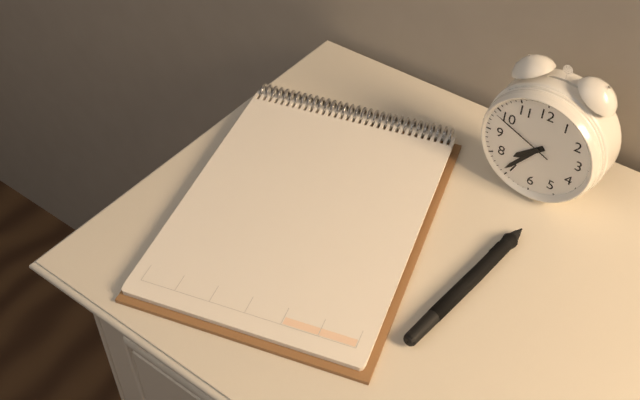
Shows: h=7 m=36 s=49
